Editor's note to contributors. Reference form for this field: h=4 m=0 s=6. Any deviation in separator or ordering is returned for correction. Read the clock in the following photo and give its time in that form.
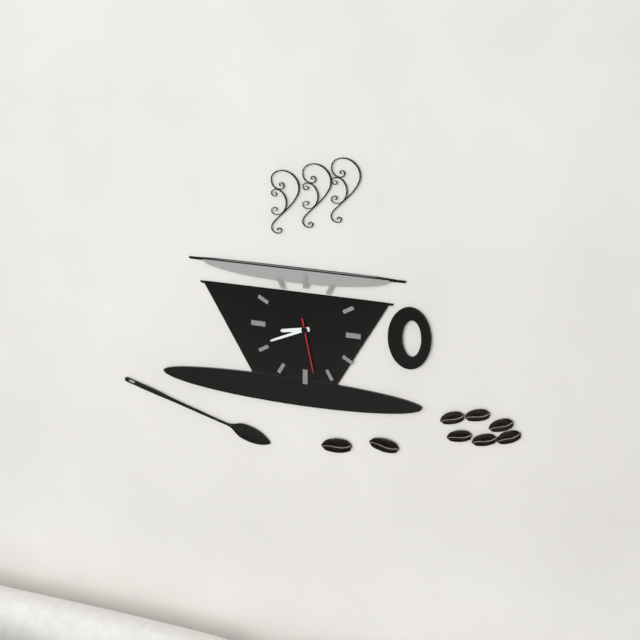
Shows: h=8 m=41 s=28
